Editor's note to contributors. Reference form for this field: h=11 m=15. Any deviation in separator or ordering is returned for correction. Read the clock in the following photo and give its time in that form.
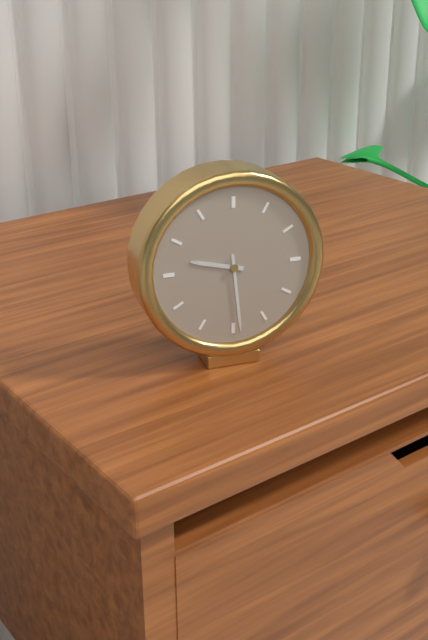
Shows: h=9 m=29
